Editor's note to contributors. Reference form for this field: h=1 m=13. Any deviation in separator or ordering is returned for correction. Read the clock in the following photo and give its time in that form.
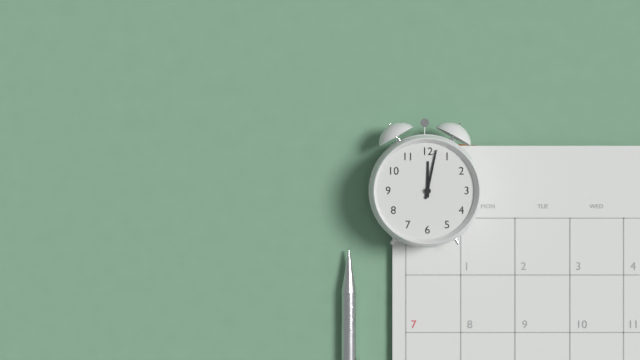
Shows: h=12 m=2
